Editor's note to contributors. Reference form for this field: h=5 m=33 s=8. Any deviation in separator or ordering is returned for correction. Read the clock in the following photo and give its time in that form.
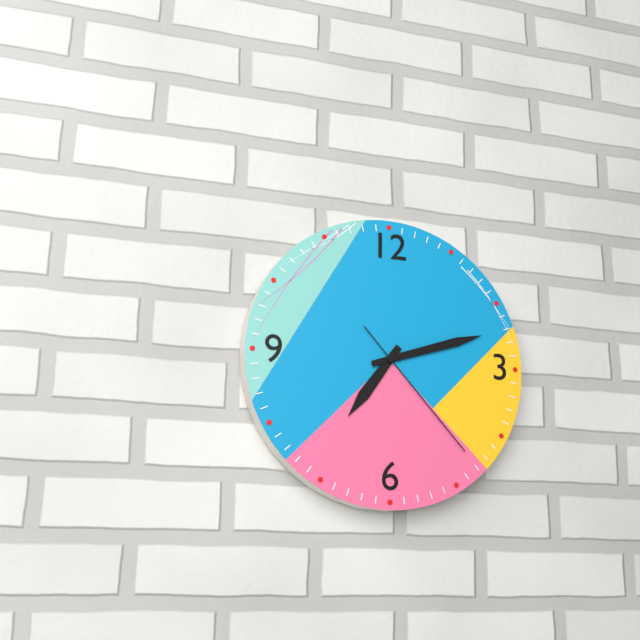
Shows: h=7 m=12 s=23
